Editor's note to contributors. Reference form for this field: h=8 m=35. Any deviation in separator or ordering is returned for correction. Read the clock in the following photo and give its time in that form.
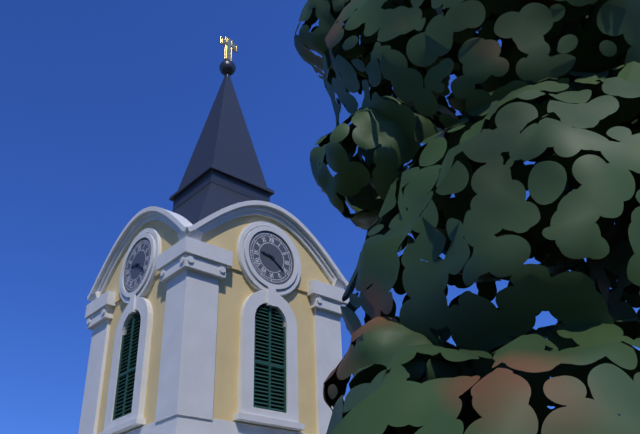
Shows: h=9 m=21
